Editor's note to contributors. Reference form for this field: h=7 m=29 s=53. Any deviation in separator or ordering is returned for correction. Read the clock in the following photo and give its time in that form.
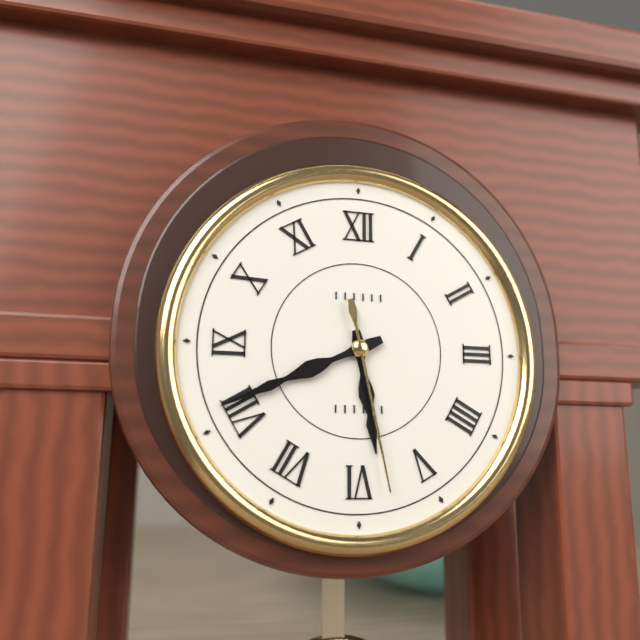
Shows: h=5 m=41 s=28
